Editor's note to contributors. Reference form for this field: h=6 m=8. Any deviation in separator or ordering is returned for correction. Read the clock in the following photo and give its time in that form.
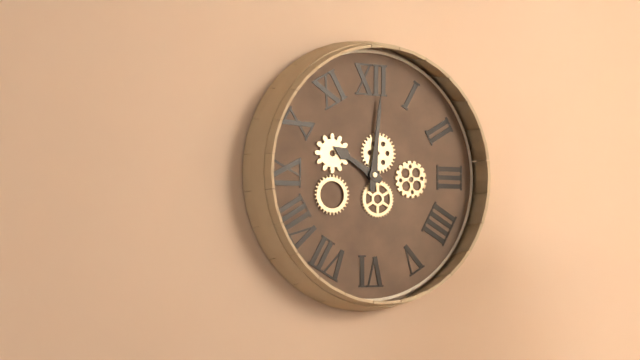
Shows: h=10 m=1
